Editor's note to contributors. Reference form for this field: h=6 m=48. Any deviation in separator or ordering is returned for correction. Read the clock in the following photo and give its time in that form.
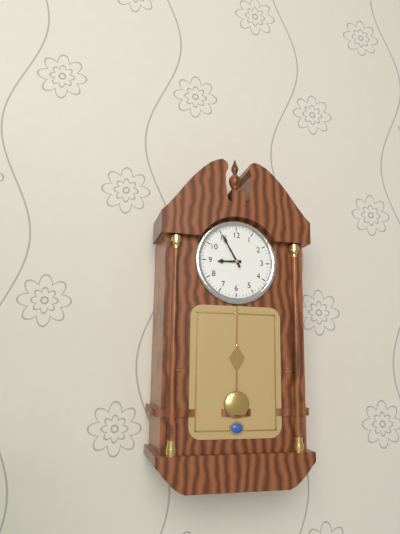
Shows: h=8 m=55
